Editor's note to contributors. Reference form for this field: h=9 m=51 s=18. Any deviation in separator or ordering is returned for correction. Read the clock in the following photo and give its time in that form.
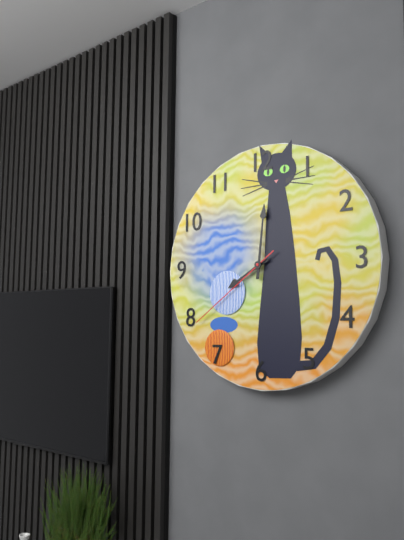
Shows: h=8 m=1 s=39
